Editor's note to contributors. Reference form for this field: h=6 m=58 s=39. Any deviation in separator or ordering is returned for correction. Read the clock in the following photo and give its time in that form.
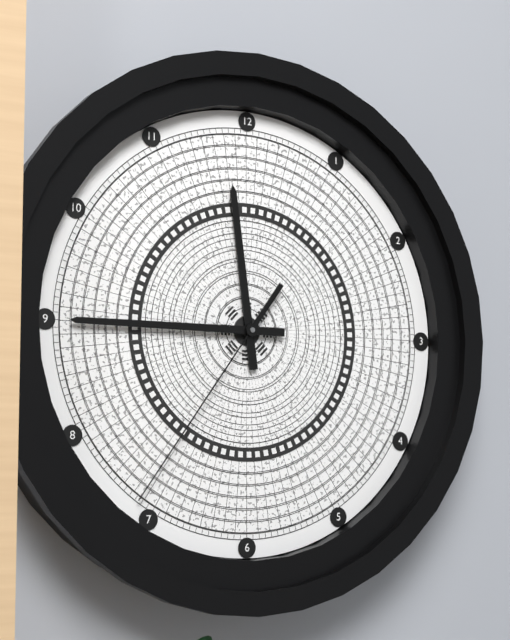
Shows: h=11 m=45 s=36
